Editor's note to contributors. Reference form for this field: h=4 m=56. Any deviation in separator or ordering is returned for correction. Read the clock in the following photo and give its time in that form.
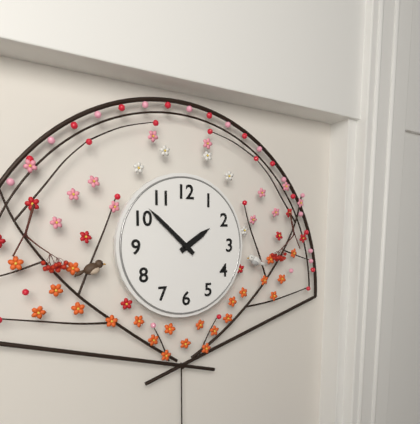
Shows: h=1 m=52
